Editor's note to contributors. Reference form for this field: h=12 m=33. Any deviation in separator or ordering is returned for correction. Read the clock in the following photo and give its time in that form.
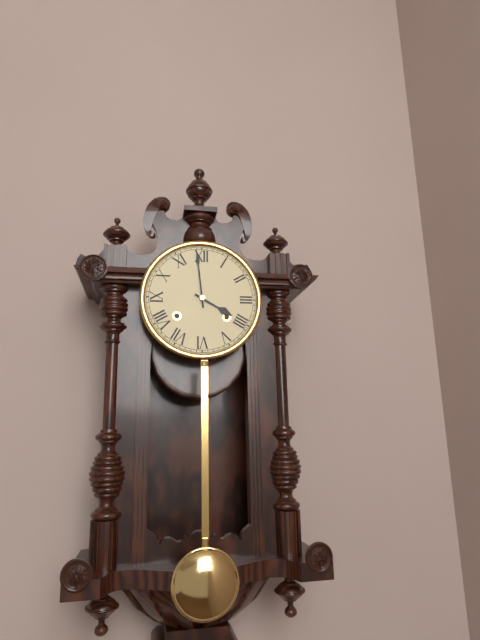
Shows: h=3 m=59
